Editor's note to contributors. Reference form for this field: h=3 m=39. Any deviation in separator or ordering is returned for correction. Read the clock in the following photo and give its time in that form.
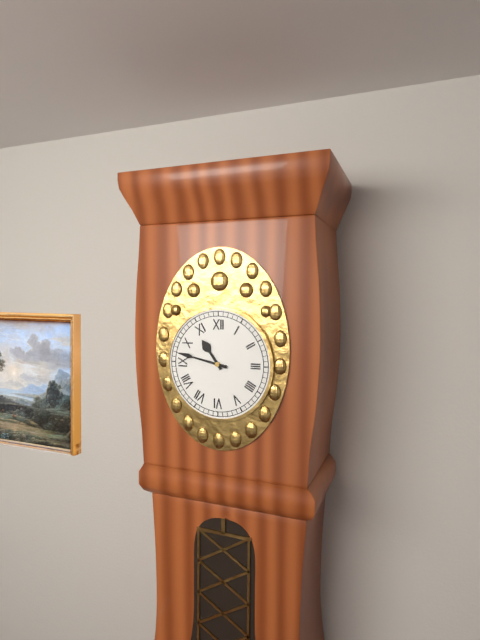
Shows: h=10 m=47
